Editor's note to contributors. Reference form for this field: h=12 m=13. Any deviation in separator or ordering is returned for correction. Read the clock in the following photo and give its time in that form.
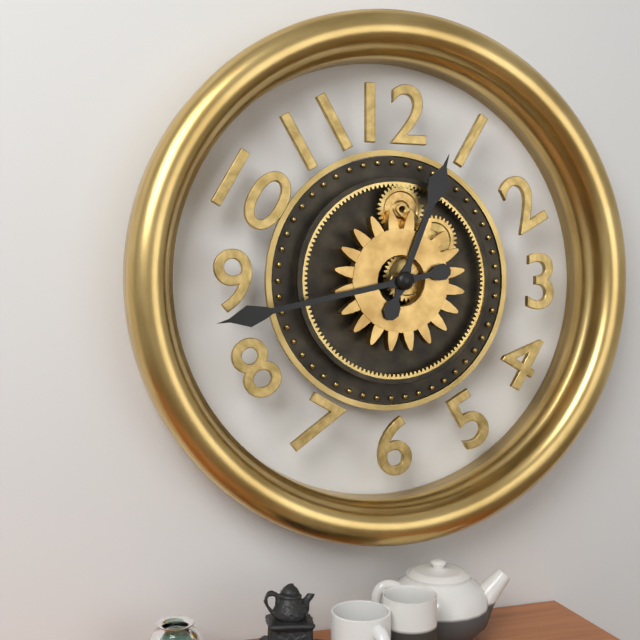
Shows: h=12 m=43
